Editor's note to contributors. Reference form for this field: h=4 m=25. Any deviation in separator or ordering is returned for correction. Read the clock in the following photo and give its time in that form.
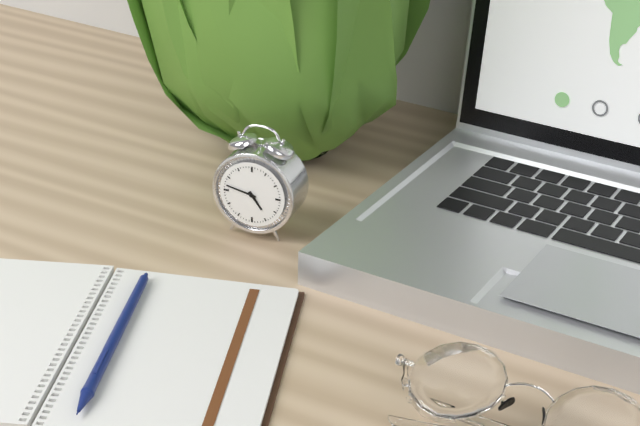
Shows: h=4 m=47
